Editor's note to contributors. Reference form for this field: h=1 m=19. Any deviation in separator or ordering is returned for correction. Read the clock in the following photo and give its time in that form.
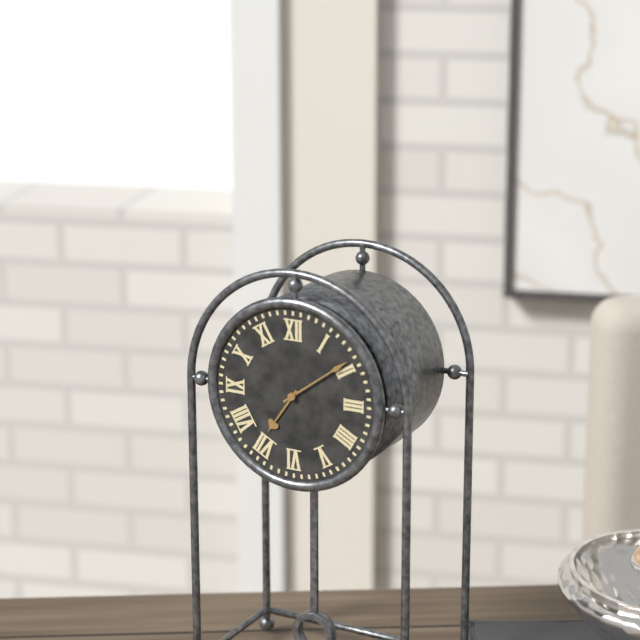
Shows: h=7 m=9
